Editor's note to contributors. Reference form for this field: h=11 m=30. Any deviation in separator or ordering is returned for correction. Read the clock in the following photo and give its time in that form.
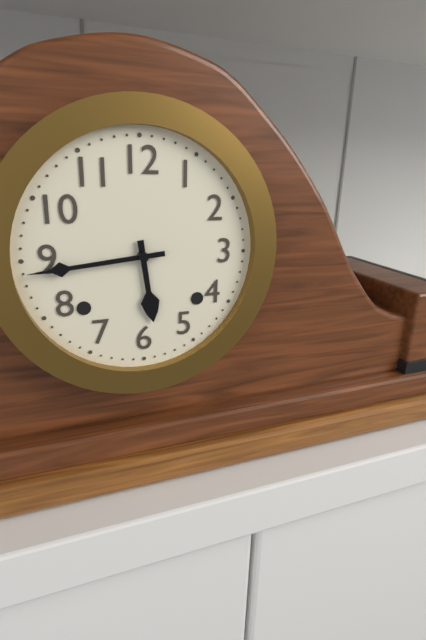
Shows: h=5 m=44
